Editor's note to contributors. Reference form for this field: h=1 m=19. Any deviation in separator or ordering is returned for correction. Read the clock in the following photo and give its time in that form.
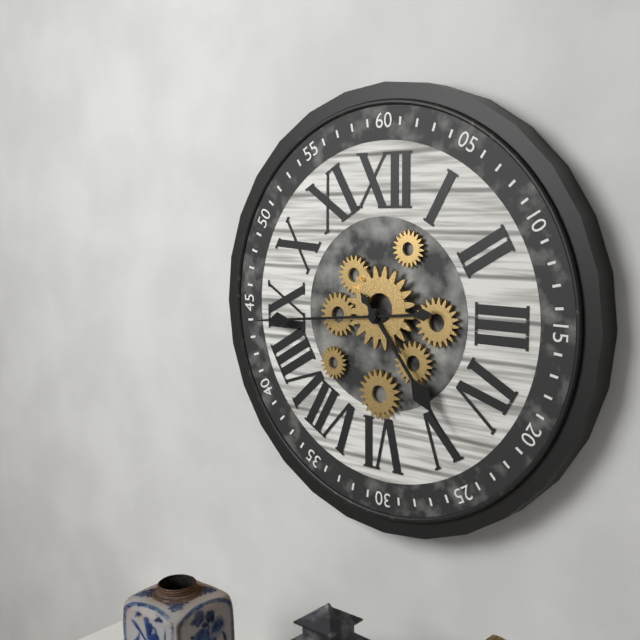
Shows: h=4 m=44
